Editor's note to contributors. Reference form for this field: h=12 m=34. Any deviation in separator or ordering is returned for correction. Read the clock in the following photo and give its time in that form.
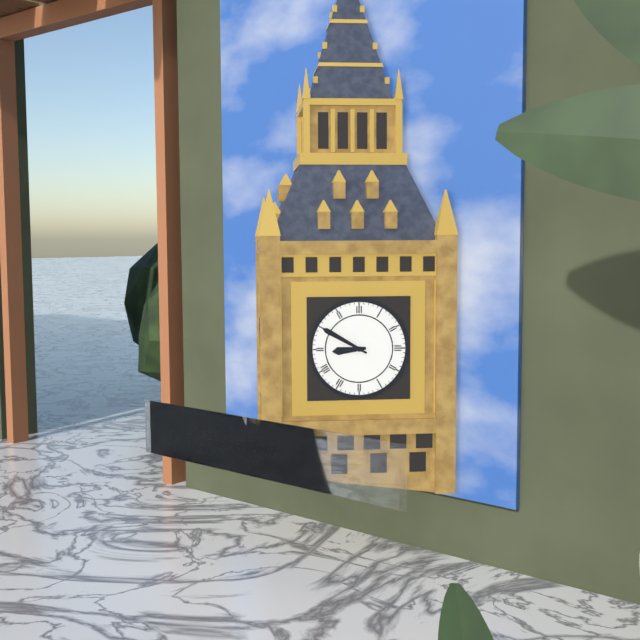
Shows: h=8 m=50
